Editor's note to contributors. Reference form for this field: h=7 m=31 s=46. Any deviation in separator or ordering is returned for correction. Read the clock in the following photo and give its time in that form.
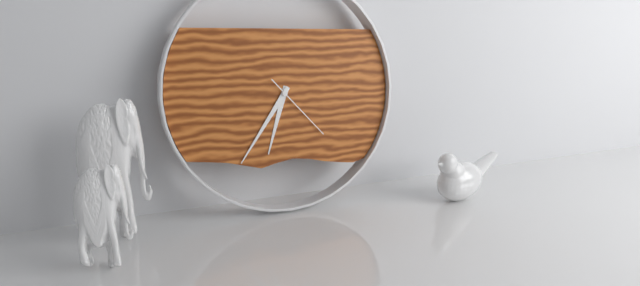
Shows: h=6 m=36 s=23
